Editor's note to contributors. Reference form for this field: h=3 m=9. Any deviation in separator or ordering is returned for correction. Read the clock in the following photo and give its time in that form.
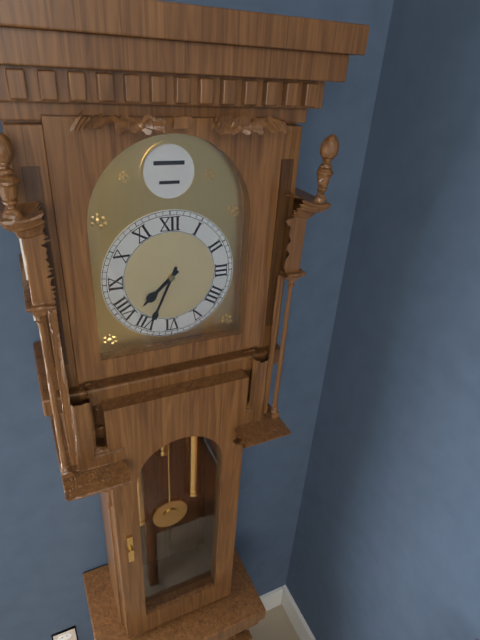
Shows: h=7 m=34
